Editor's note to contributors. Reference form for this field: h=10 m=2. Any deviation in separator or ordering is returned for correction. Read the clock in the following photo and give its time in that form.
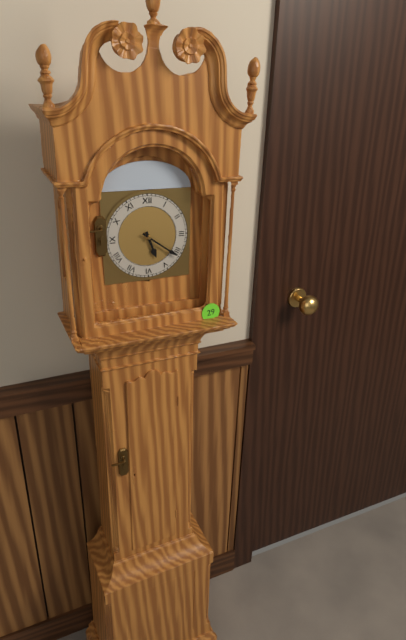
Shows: h=5 m=21
